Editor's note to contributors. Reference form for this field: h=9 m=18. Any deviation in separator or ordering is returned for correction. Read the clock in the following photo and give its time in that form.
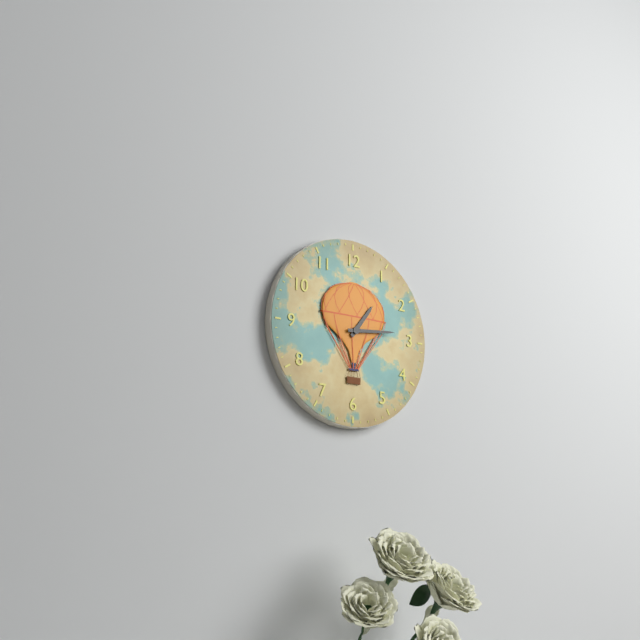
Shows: h=1 m=14
